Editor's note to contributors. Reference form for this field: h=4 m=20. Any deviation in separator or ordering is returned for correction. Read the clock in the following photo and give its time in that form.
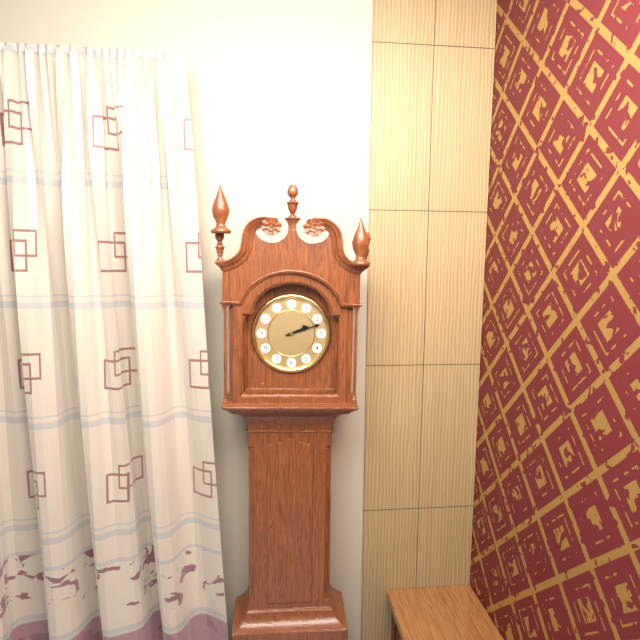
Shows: h=2 m=12
